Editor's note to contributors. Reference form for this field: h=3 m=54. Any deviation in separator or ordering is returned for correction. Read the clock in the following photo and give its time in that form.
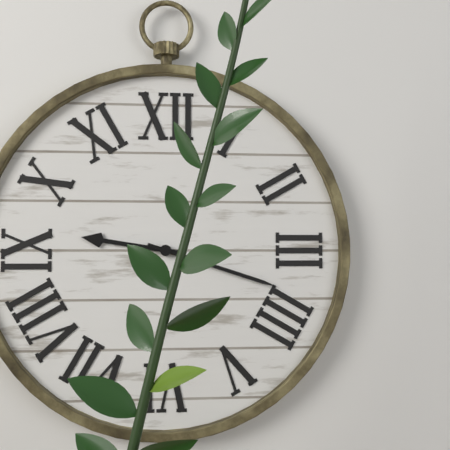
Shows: h=9 m=18
